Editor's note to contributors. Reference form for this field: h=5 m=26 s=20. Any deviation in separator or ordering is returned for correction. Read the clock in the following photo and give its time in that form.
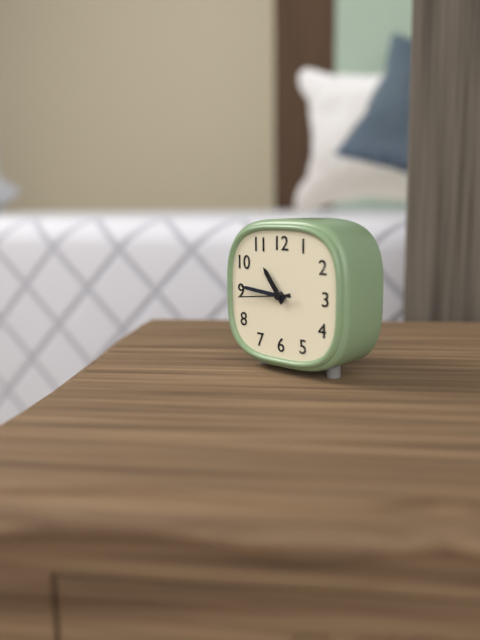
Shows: h=10 m=46 s=44
